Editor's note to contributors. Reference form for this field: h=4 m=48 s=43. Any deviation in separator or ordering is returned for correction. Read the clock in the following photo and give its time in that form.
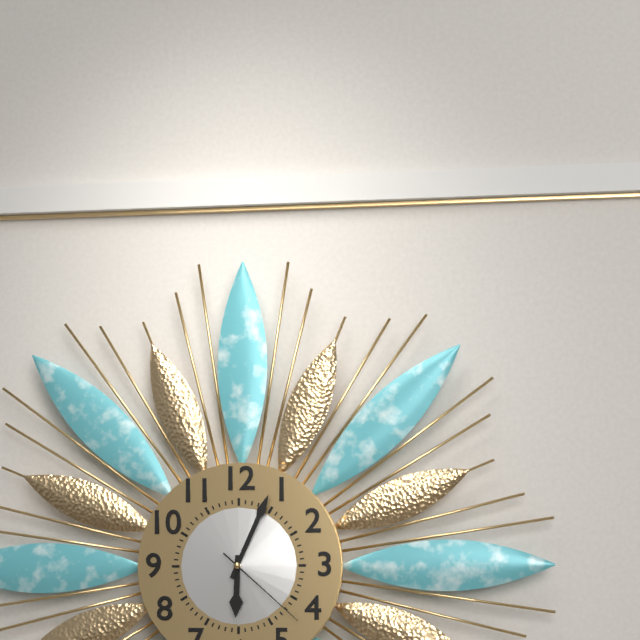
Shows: h=6 m=4 s=22
